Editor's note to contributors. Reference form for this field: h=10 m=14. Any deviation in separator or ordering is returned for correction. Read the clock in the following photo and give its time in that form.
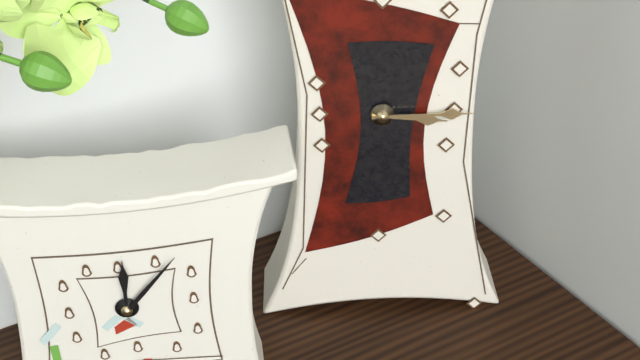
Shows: h=3 m=15
